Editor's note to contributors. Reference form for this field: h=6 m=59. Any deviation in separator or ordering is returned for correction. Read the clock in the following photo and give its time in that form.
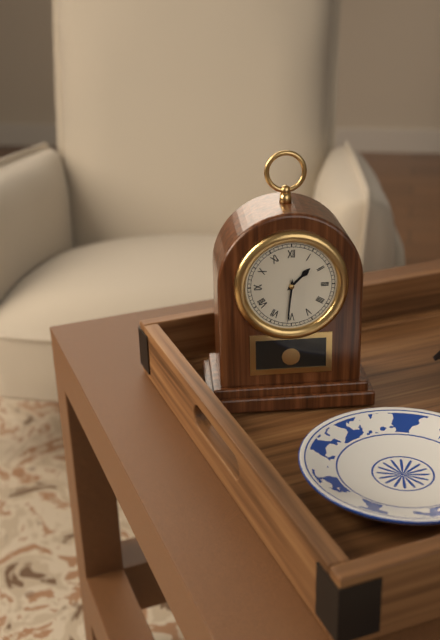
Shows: h=1 m=31
